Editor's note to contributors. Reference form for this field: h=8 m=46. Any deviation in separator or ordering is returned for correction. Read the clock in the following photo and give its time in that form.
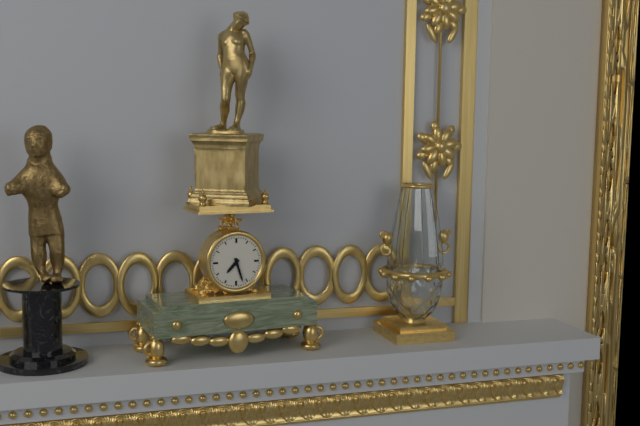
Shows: h=7 m=27
